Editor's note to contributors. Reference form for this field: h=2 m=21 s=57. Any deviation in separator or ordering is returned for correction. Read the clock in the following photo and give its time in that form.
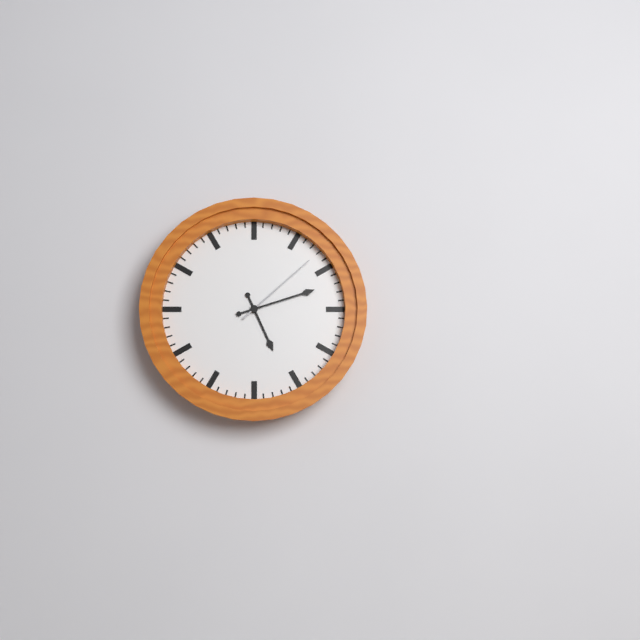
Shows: h=5 m=12 s=8
